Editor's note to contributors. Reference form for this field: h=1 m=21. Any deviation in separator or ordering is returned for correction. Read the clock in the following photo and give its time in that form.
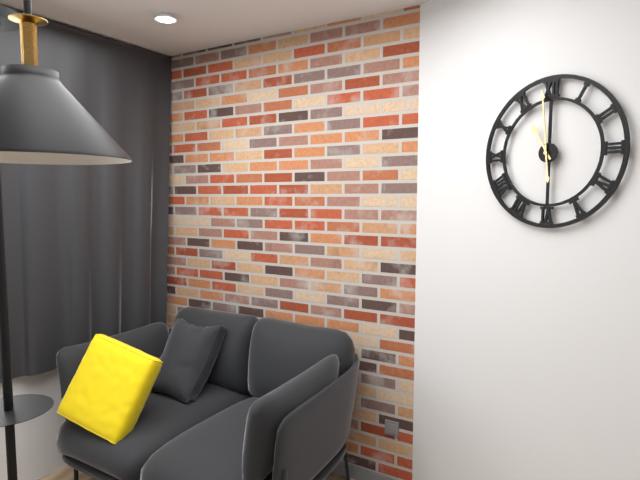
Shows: h=10 m=59
